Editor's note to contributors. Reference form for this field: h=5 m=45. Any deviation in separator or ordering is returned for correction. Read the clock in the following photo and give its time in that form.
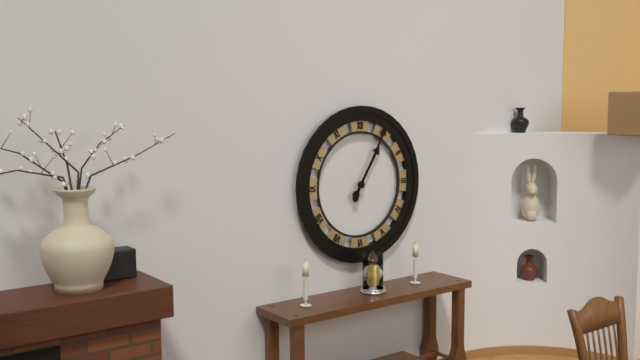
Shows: h=1 m=5
